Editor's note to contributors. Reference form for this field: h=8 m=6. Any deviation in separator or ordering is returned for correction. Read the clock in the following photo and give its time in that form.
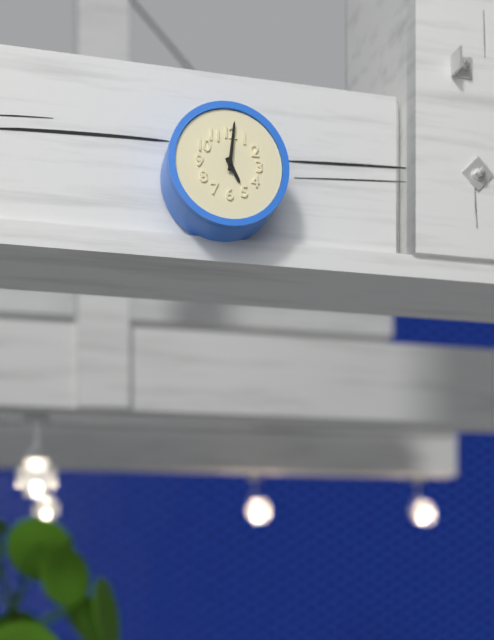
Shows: h=5 m=1
